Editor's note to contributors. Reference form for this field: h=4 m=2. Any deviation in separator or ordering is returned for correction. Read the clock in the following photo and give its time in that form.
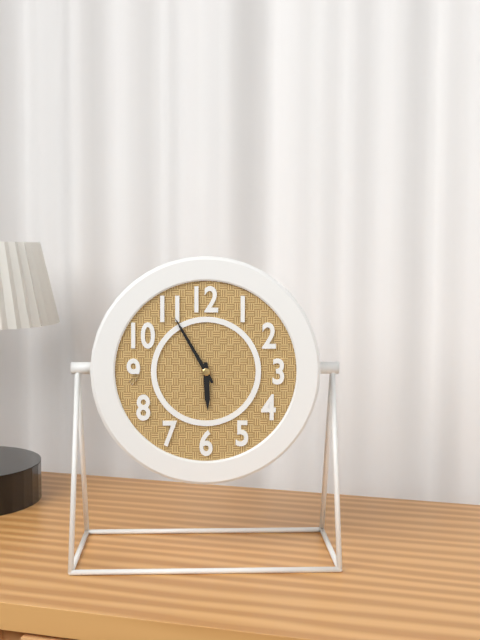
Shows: h=5 m=55
